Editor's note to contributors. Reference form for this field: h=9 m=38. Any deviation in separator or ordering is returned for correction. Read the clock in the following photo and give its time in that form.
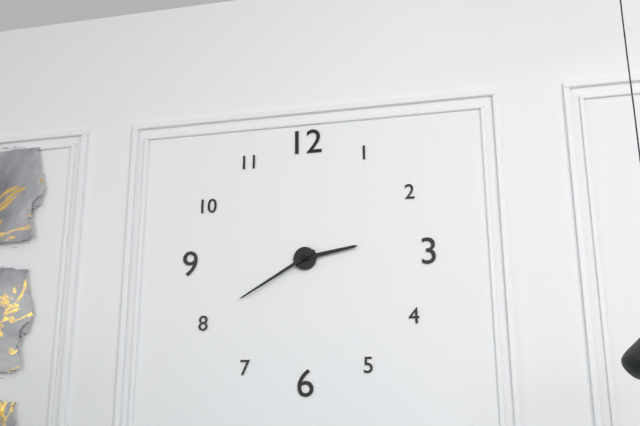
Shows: h=2 m=40
